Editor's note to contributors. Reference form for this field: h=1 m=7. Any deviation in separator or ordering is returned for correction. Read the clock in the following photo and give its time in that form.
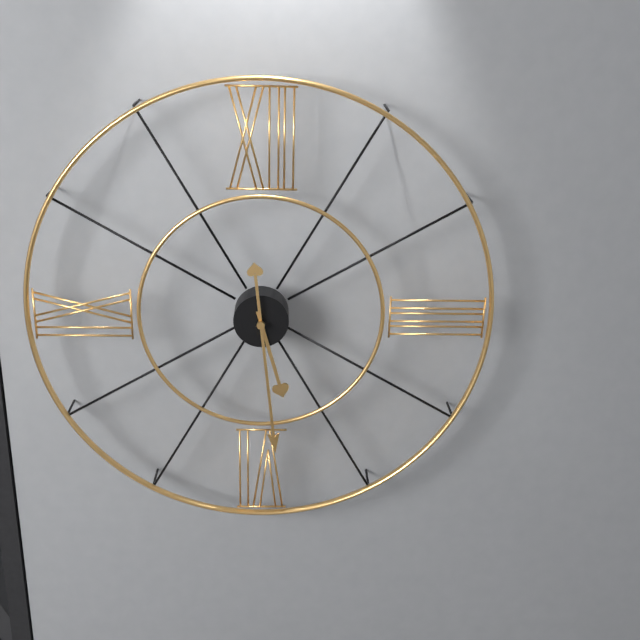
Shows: h=5 m=29
